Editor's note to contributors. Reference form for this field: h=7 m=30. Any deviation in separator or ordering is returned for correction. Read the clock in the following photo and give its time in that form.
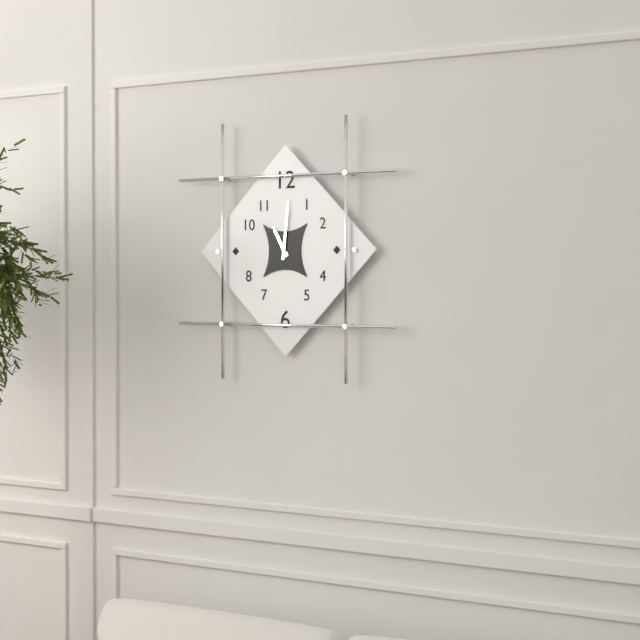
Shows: h=11 m=1
